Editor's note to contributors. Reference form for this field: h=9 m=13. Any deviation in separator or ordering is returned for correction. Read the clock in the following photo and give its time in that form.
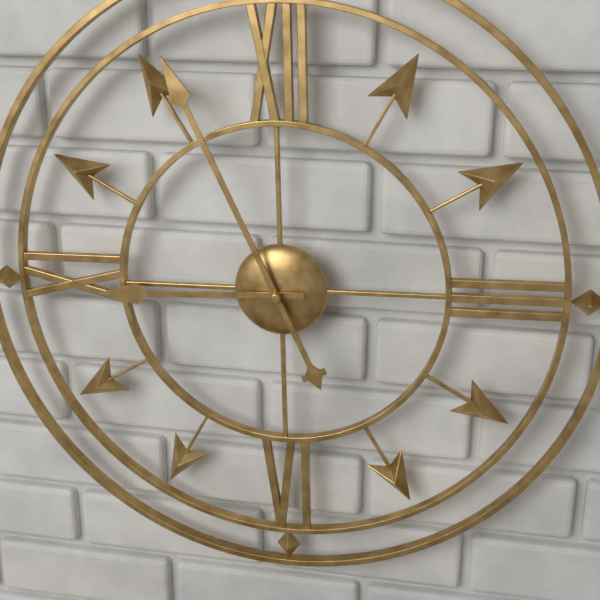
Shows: h=8 m=56
